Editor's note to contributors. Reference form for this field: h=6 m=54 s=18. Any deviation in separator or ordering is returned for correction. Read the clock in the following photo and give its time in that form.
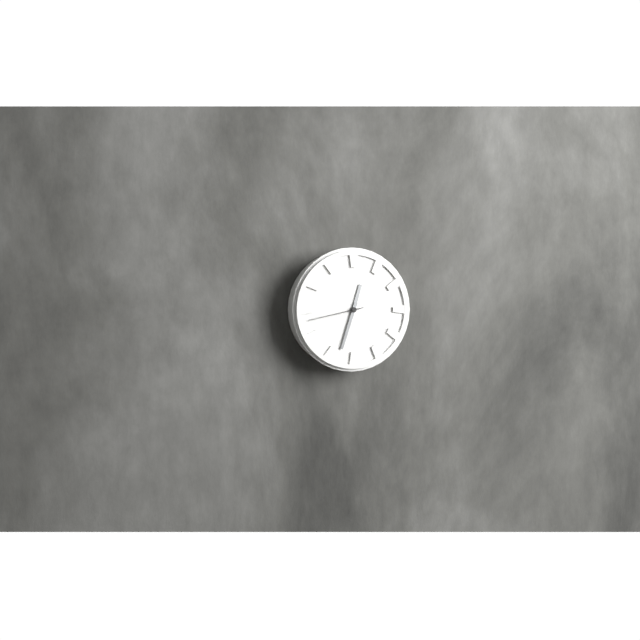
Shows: h=12 m=33 s=43
